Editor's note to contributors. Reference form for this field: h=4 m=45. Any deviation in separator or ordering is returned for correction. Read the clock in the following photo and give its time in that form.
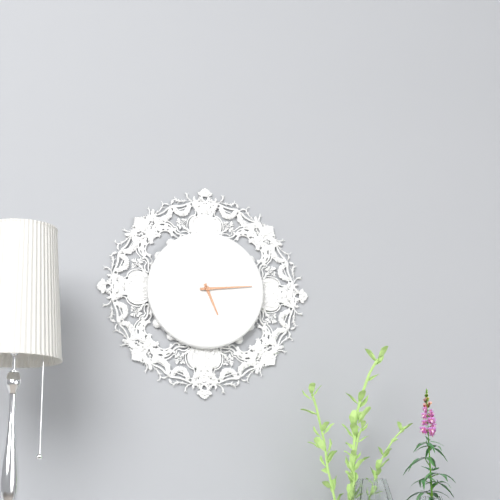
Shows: h=5 m=14
